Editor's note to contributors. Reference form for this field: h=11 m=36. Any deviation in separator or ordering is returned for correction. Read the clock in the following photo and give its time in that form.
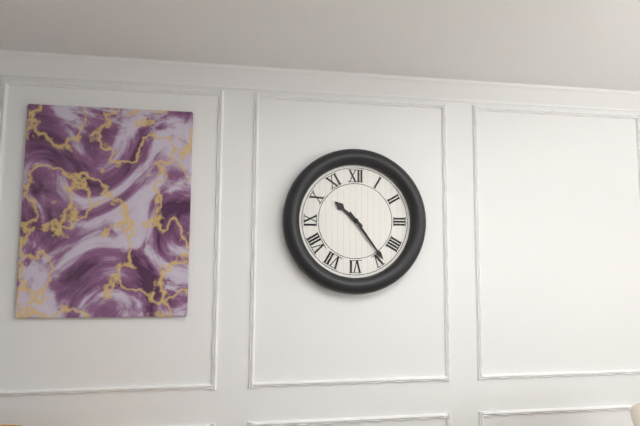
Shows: h=10 m=24
